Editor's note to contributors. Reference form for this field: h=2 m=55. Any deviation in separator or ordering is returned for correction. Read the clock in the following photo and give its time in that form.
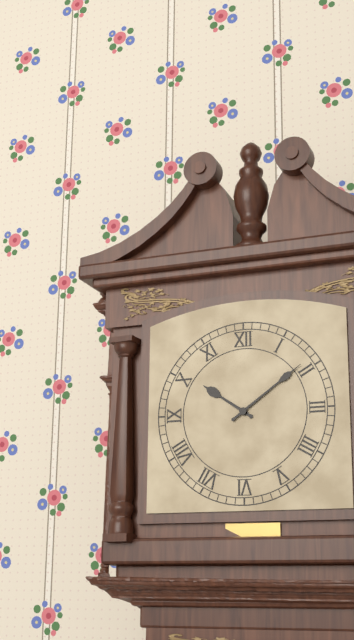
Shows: h=10 m=9
